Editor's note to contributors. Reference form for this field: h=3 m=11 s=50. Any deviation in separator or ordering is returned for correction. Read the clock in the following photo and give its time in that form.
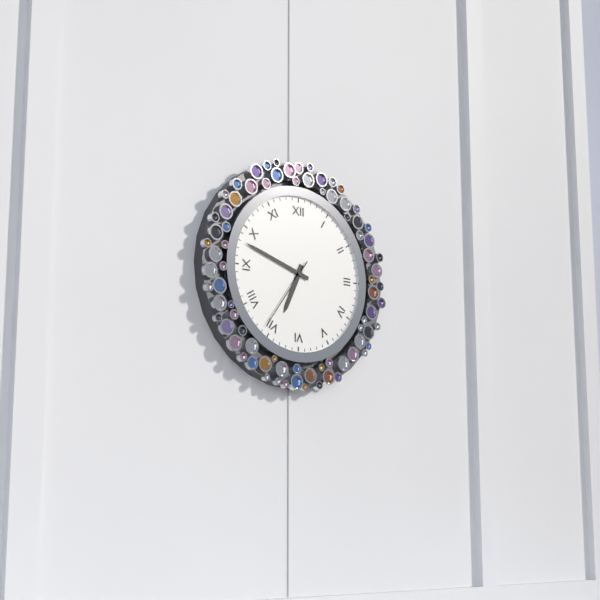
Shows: h=6 m=48 s=36
